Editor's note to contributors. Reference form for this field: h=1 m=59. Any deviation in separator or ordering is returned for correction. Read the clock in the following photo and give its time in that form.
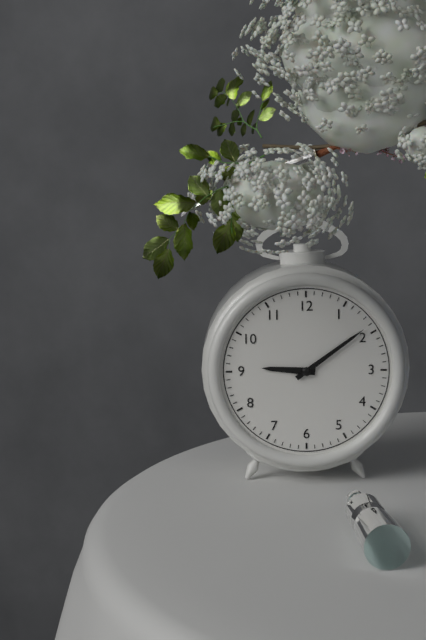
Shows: h=9 m=9
